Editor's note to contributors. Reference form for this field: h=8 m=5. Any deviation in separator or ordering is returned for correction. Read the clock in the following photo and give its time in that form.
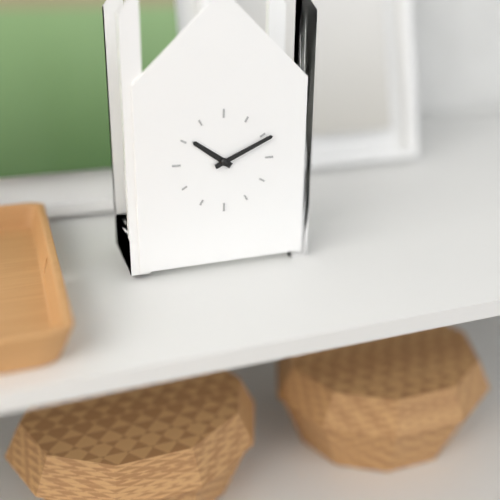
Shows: h=10 m=11
